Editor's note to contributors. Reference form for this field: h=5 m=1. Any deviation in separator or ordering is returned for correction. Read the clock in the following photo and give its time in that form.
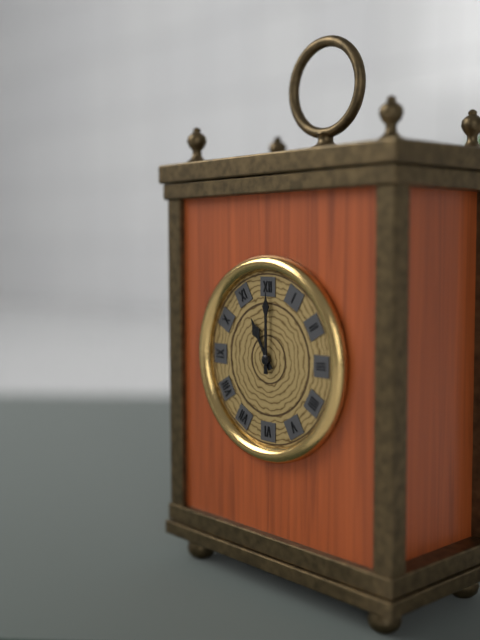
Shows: h=11 m=0
